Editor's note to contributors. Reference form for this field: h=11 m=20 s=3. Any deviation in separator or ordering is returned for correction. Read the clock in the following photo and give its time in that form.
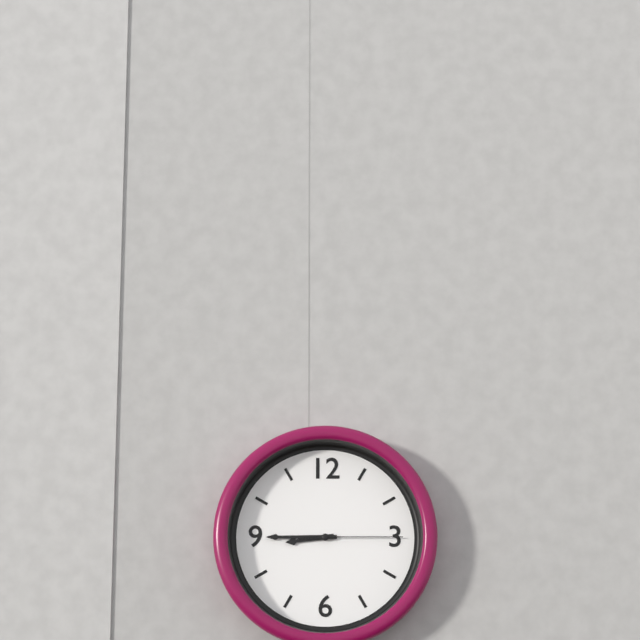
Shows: h=8 m=45 s=15
